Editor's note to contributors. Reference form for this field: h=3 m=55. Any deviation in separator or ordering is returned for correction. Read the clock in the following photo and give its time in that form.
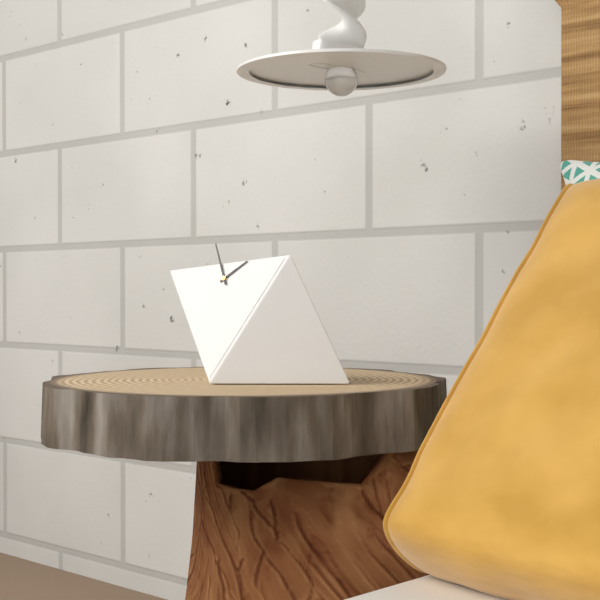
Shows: h=1 m=56
